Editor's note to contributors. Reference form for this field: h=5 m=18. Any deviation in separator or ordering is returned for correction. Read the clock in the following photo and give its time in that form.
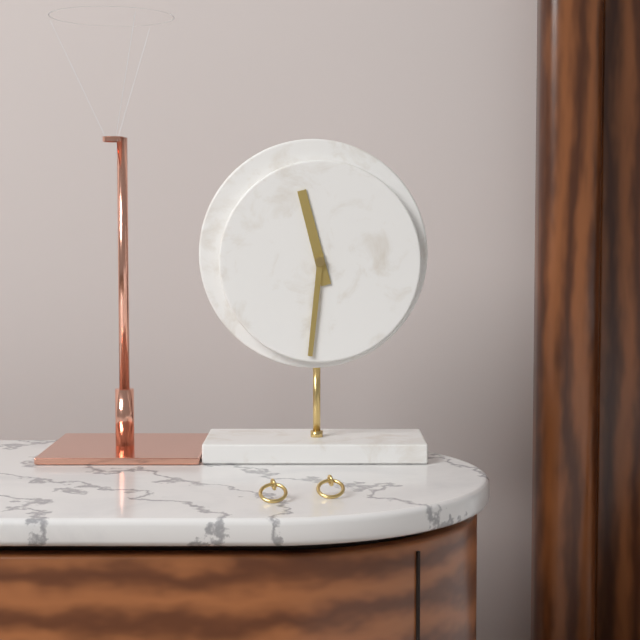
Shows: h=11 m=31
